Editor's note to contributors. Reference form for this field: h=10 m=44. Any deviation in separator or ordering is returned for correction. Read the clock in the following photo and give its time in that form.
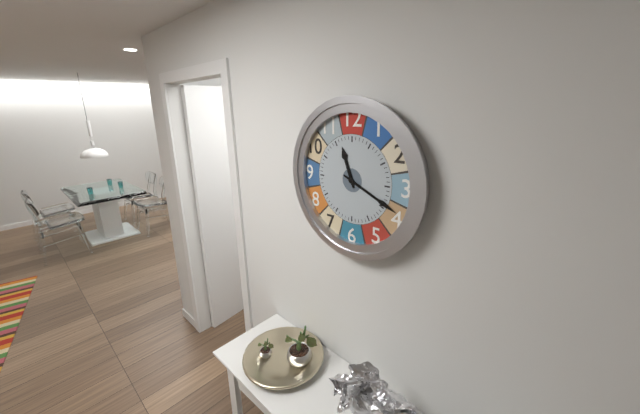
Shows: h=11 m=19
